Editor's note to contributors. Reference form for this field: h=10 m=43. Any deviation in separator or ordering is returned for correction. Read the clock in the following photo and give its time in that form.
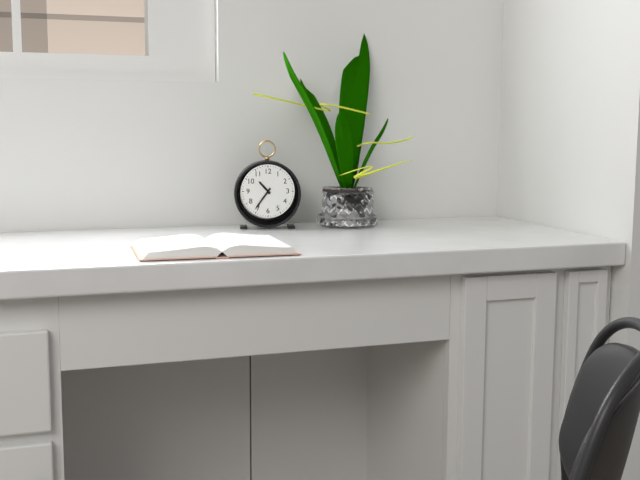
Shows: h=10 m=36
